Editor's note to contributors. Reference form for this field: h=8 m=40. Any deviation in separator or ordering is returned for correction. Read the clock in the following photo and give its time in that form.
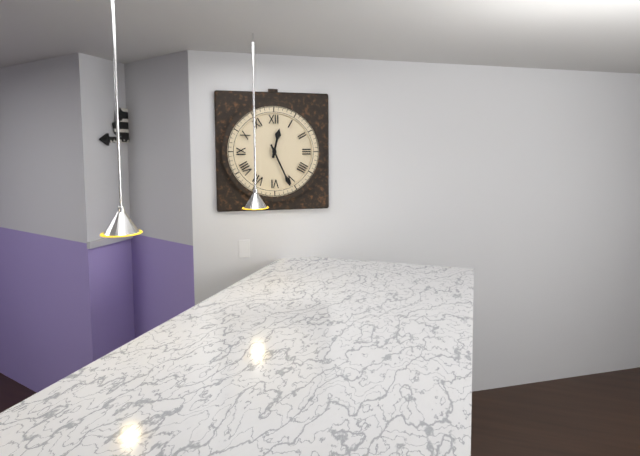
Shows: h=12 m=26
